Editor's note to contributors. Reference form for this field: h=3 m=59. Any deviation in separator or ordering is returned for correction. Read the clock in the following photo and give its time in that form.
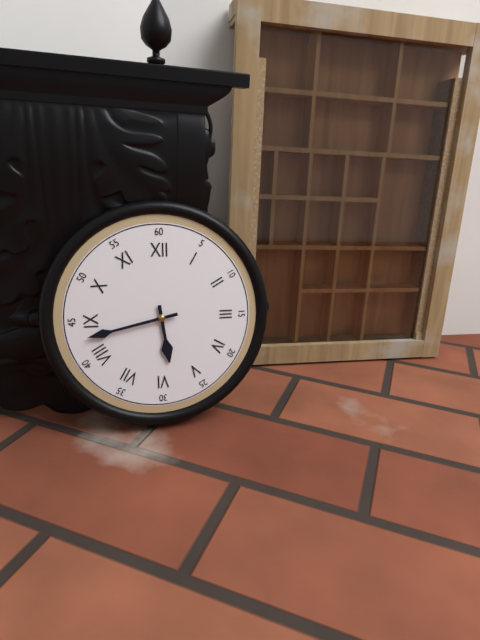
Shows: h=5 m=43
